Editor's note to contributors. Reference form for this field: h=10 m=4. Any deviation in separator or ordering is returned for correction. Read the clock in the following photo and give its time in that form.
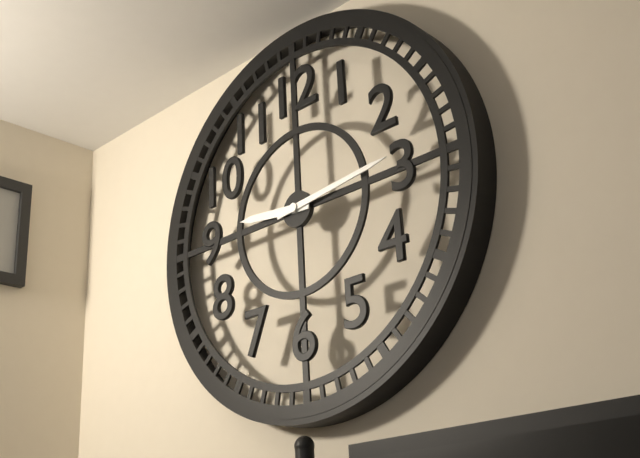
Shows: h=9 m=14
